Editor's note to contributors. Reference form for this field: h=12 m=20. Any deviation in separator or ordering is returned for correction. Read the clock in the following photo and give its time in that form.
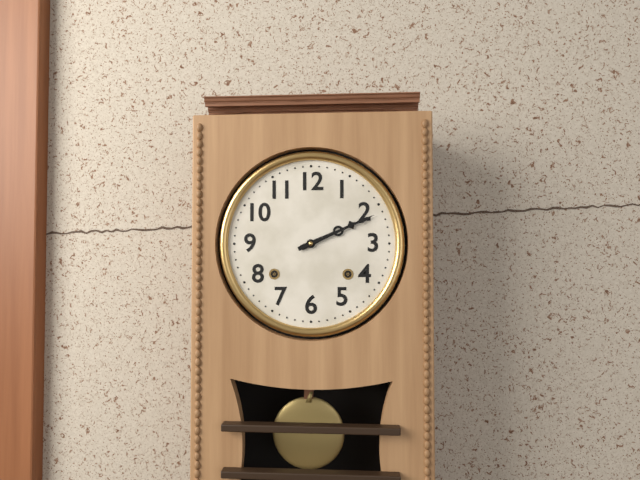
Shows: h=2 m=11
